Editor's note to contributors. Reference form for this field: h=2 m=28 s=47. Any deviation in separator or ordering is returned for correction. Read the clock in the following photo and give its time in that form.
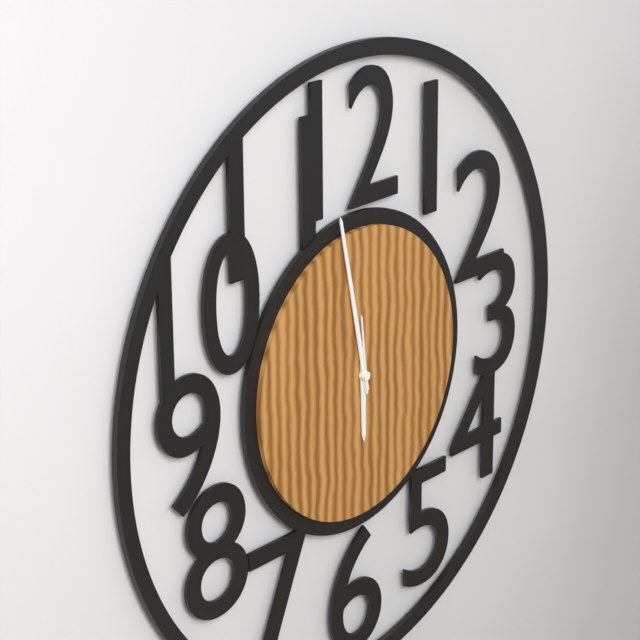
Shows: h=5 m=58 s=59
